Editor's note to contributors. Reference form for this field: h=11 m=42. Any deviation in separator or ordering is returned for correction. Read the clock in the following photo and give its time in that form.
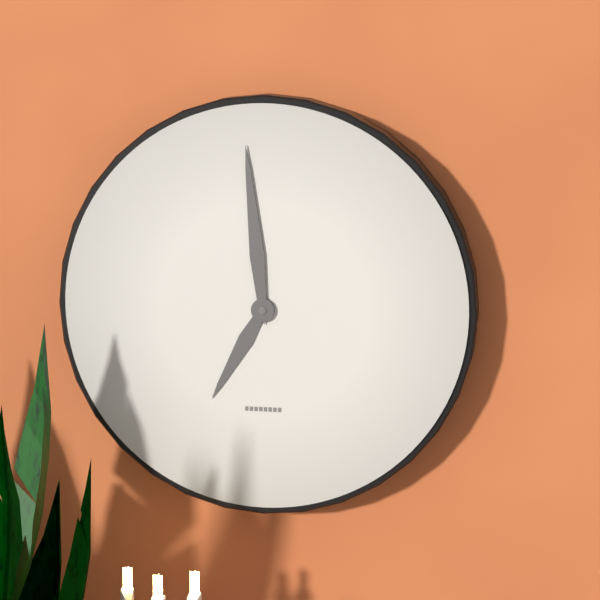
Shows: h=6 m=59
